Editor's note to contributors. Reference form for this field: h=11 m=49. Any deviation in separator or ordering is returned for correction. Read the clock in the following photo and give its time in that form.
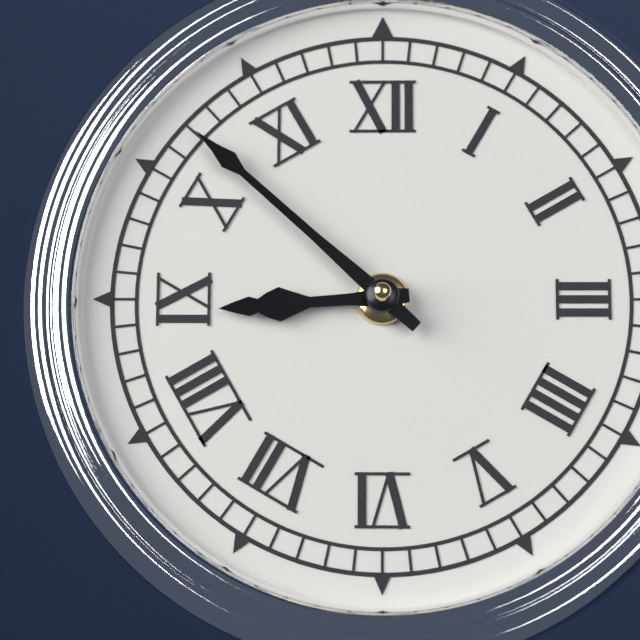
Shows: h=8 m=52
